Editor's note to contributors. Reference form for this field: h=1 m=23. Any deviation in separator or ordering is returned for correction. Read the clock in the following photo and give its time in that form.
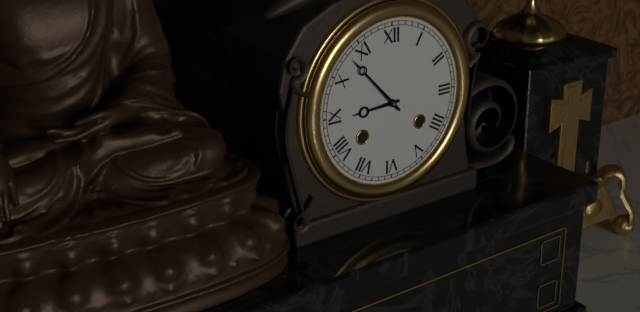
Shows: h=8 m=53
